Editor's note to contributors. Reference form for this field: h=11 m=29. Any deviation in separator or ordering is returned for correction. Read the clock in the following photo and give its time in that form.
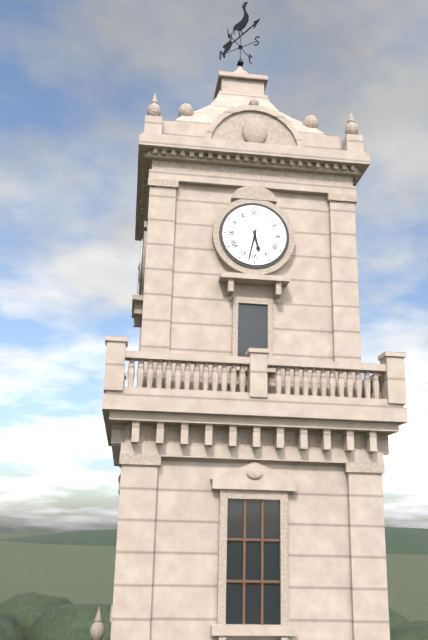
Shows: h=5 m=32
